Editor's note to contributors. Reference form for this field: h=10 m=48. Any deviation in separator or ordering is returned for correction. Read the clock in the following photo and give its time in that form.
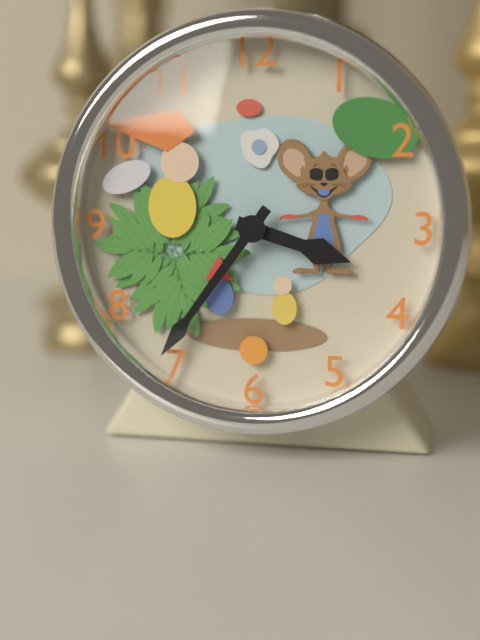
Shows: h=3 m=36
